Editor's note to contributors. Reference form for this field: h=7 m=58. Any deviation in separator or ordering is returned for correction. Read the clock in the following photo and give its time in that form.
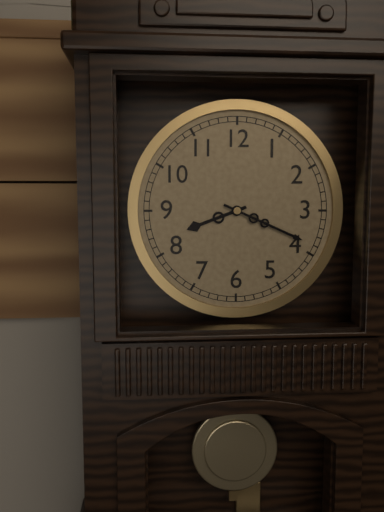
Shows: h=8 m=19
